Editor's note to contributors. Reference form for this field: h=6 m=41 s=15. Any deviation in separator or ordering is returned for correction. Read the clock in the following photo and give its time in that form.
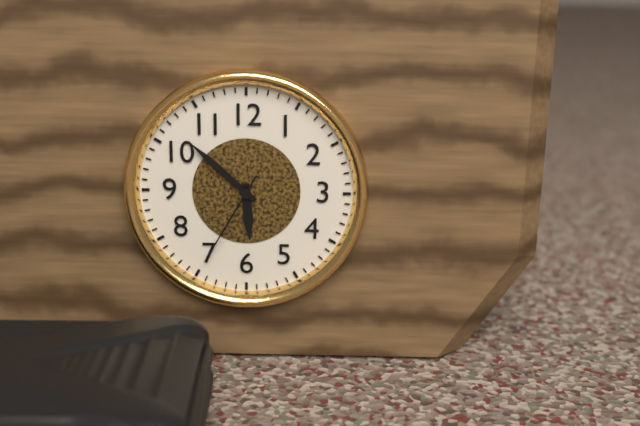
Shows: h=5 m=52 s=35
